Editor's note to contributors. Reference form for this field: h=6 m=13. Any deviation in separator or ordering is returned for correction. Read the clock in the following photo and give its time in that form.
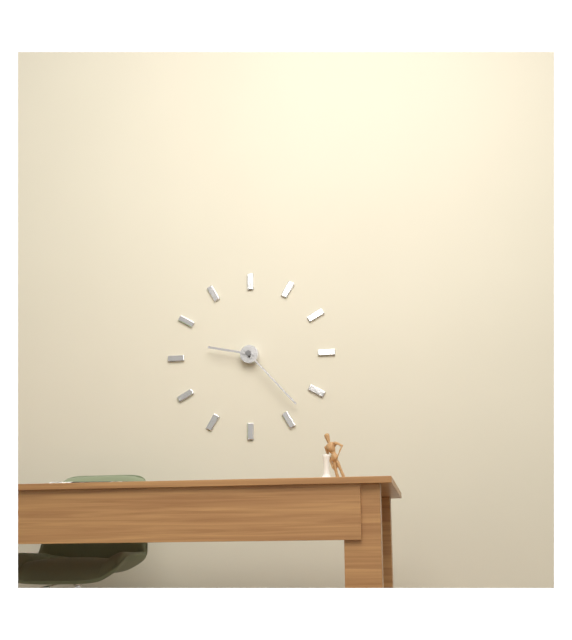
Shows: h=9 m=23
